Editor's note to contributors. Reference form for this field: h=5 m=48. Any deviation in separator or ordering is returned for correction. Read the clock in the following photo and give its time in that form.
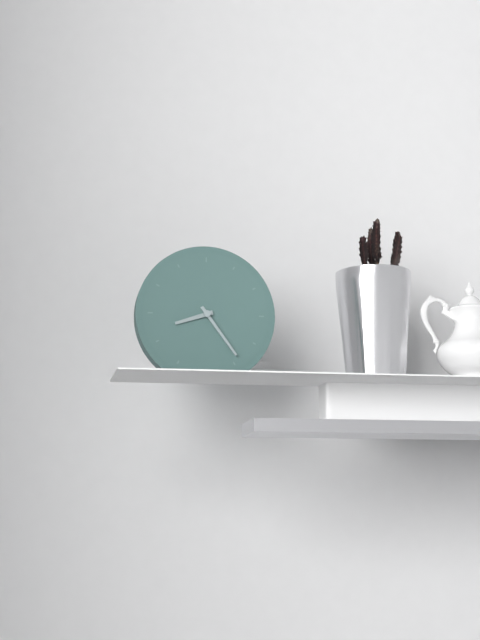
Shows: h=8 m=24
